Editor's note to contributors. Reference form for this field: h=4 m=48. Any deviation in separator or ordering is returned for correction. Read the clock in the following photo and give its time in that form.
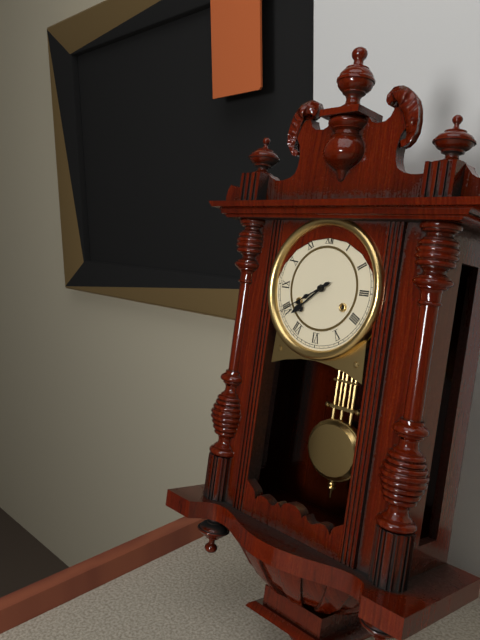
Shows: h=7 m=40
